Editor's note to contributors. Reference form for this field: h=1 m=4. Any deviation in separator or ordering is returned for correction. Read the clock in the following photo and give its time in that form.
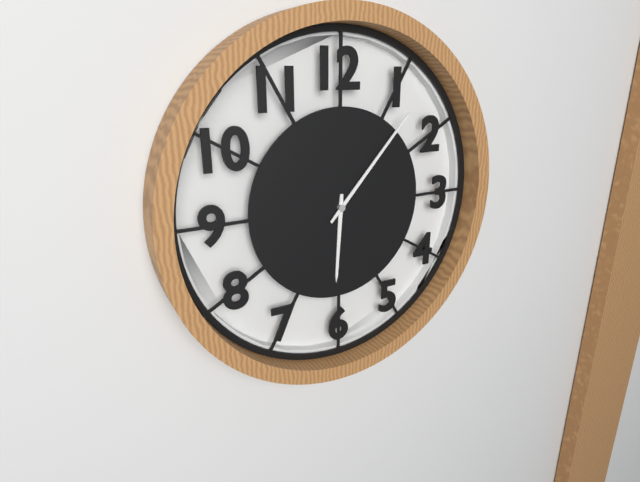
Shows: h=6 m=7
